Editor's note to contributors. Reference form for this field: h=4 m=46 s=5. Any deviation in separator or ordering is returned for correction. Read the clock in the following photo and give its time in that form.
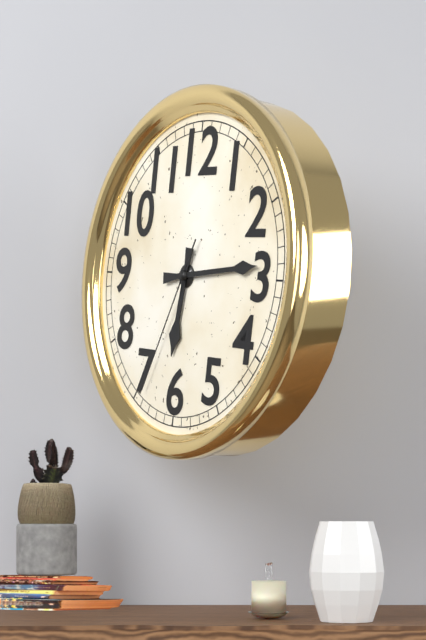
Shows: h=6 m=14 s=34
